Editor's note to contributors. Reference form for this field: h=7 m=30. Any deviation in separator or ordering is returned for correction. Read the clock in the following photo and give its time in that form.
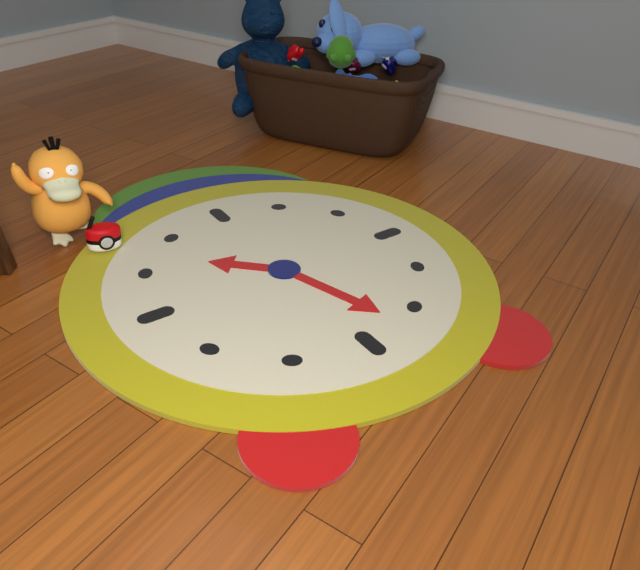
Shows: h=10 m=27
